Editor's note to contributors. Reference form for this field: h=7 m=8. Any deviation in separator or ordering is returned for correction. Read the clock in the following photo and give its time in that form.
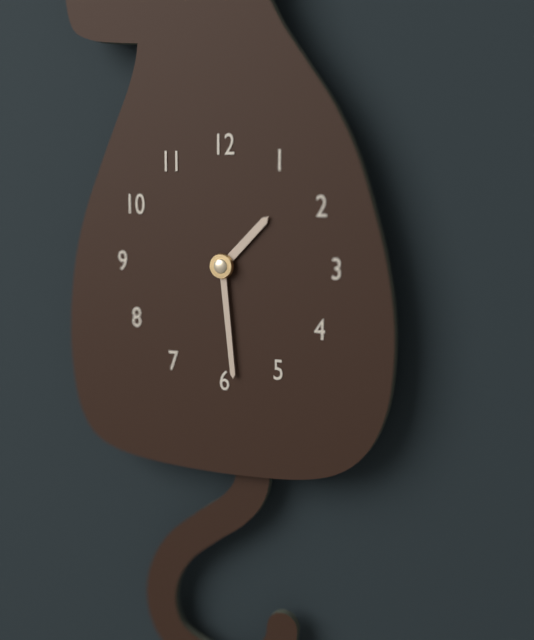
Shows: h=1 m=29
